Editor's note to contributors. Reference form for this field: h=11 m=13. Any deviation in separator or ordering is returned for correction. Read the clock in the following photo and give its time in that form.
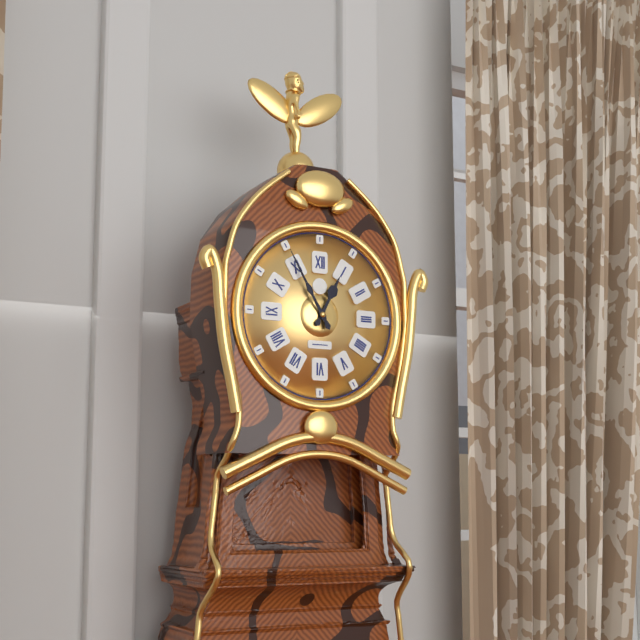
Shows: h=12 m=55
